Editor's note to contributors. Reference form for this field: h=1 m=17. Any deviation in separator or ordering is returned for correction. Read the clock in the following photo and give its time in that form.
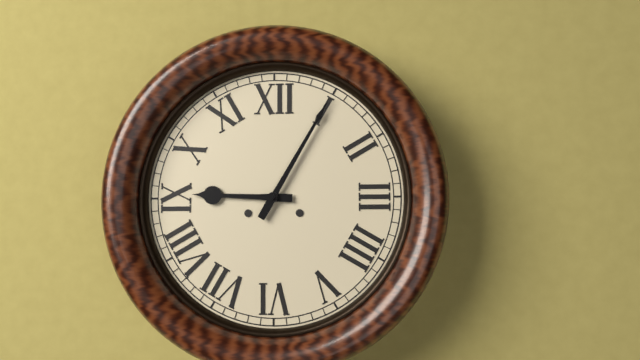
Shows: h=9 m=5
